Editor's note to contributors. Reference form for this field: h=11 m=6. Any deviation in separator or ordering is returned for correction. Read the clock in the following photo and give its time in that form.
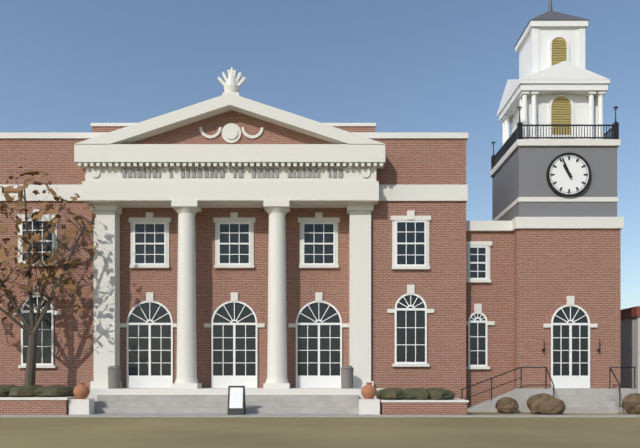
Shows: h=10 m=56
